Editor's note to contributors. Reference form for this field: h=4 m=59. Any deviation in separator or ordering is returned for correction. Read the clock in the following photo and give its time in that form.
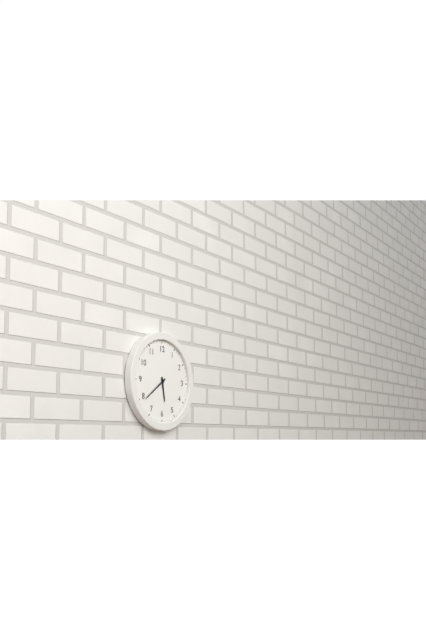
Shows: h=5 m=39
